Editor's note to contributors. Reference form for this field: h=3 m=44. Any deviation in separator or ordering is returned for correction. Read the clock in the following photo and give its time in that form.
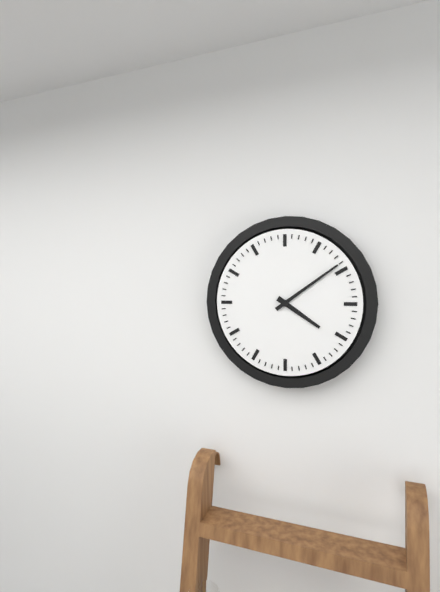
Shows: h=4 m=9
